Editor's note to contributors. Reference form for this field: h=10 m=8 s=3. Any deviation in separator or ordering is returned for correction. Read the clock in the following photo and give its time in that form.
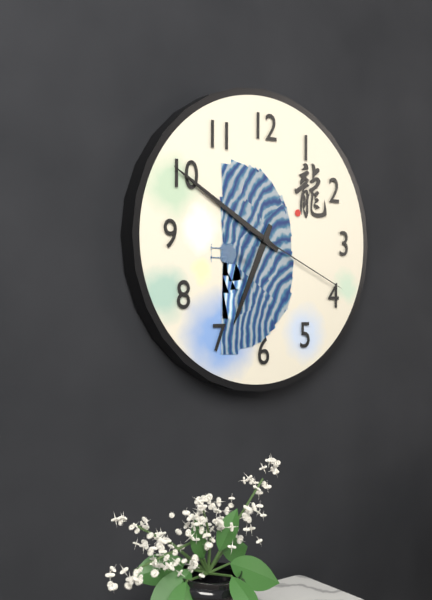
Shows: h=6 m=50 s=19
